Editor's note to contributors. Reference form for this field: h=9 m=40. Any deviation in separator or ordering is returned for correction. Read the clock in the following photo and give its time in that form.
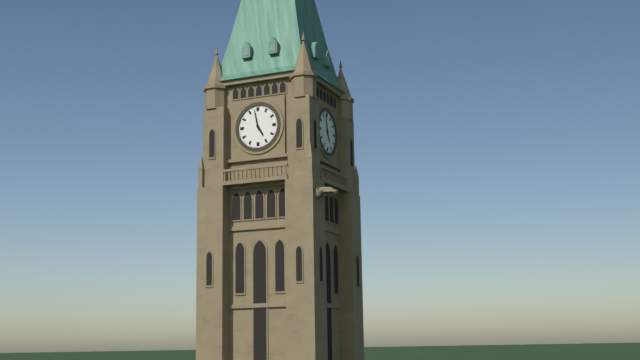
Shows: h=4 m=58
